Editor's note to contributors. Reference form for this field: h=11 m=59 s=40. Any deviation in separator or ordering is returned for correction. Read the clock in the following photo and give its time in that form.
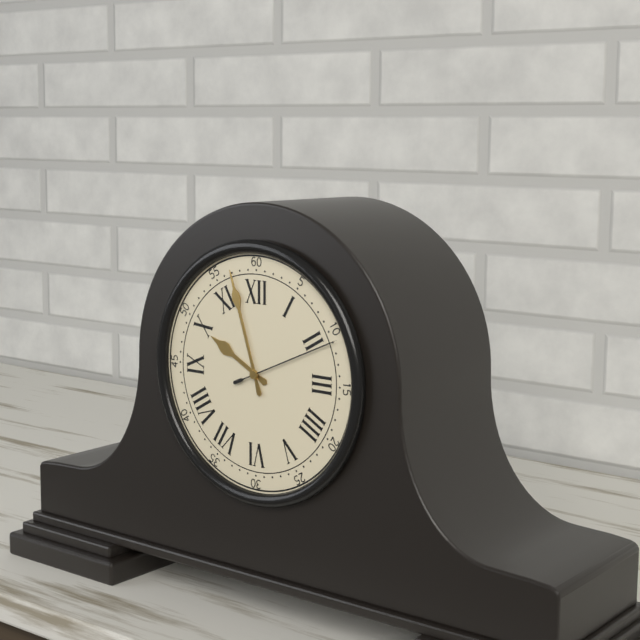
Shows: h=9 m=57 s=11
